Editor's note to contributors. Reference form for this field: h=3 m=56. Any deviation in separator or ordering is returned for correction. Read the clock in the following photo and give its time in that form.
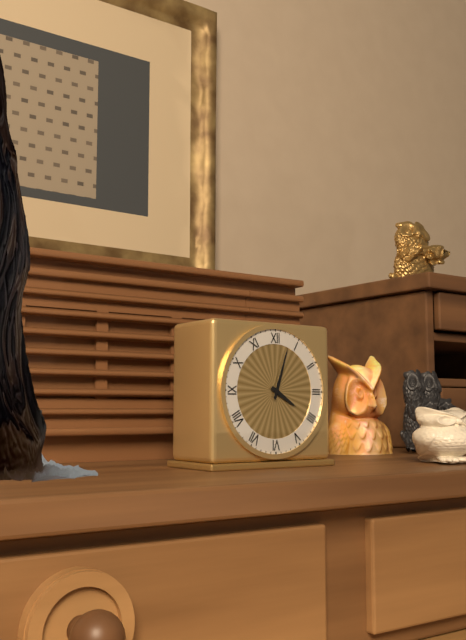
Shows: h=4 m=3
